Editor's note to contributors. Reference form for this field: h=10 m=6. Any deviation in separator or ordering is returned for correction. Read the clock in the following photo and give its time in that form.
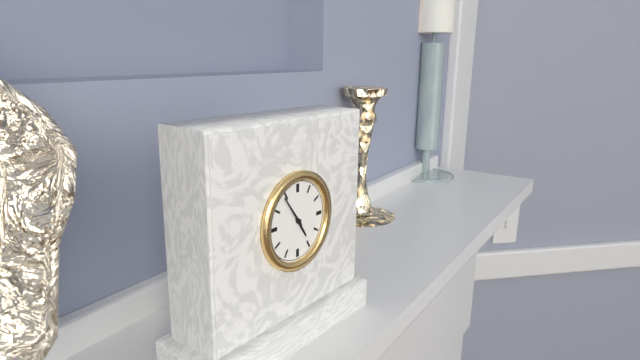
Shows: h=4 m=54
